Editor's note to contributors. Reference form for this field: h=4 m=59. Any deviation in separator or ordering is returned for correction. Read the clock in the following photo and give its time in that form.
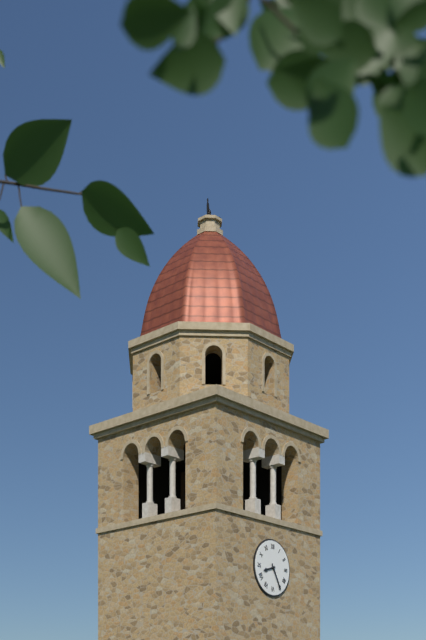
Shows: h=8 m=25
